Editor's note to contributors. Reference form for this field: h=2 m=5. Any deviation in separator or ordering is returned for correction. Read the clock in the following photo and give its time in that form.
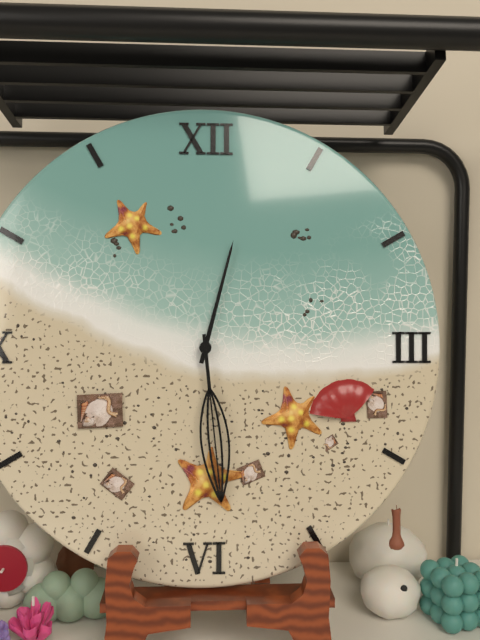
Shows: h=12 m=29
